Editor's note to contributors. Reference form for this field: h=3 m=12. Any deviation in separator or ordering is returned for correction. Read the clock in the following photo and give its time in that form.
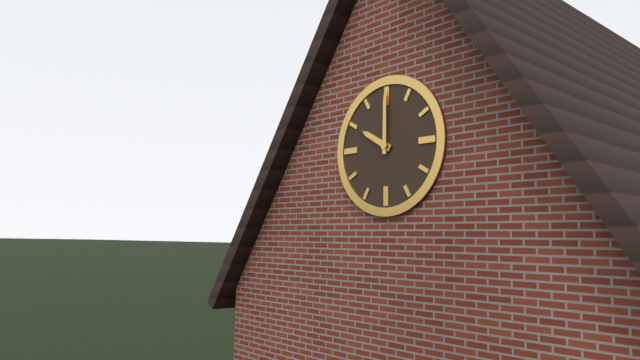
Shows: h=10 m=0
